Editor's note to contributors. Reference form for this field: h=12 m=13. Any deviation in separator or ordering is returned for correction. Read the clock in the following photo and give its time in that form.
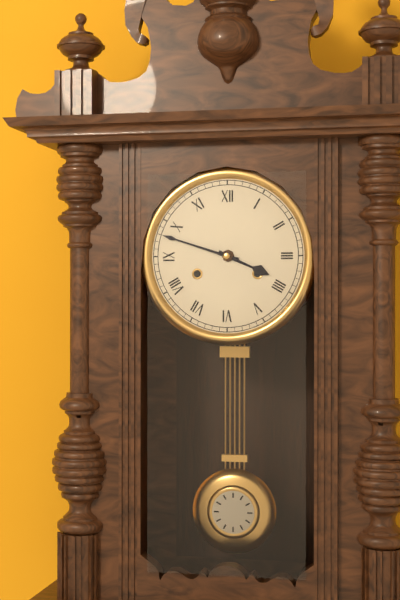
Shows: h=3 m=48
